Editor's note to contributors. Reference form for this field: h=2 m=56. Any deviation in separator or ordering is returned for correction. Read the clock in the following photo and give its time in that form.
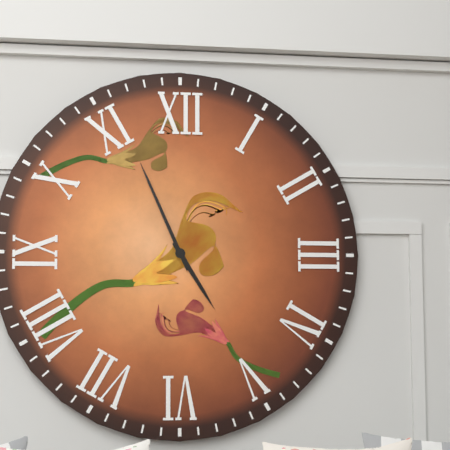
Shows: h=4 m=56
